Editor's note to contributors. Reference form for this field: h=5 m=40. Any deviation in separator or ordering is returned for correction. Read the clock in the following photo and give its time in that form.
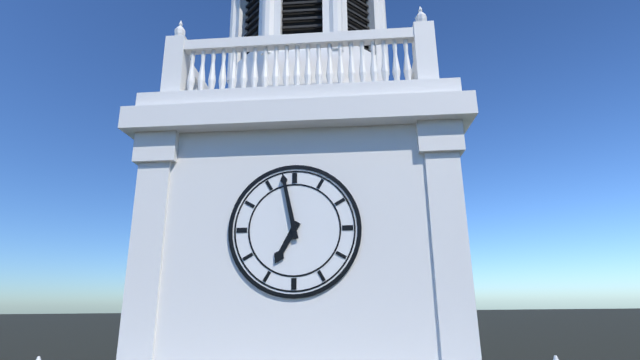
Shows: h=6 m=58
